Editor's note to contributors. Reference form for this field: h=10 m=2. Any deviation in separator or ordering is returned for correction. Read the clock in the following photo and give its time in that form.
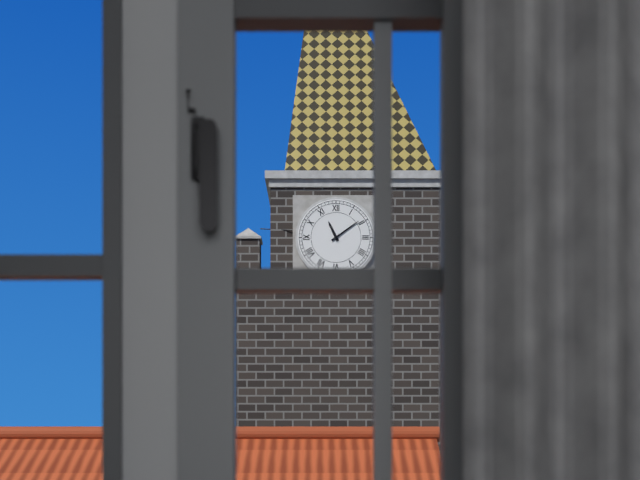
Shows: h=11 m=9
